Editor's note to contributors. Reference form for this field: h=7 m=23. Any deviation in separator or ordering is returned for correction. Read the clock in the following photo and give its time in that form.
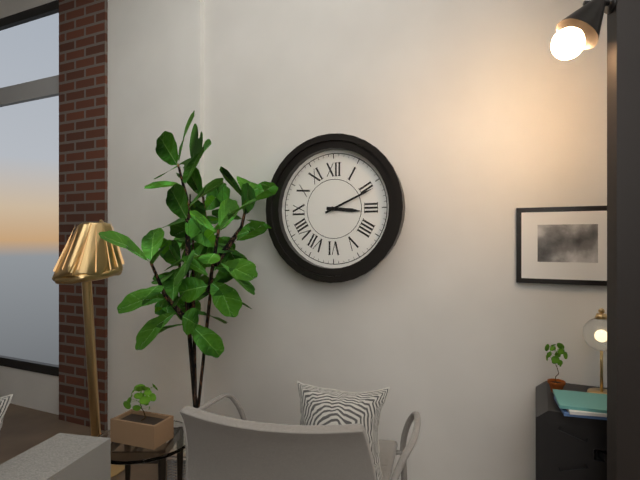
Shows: h=3 m=11
